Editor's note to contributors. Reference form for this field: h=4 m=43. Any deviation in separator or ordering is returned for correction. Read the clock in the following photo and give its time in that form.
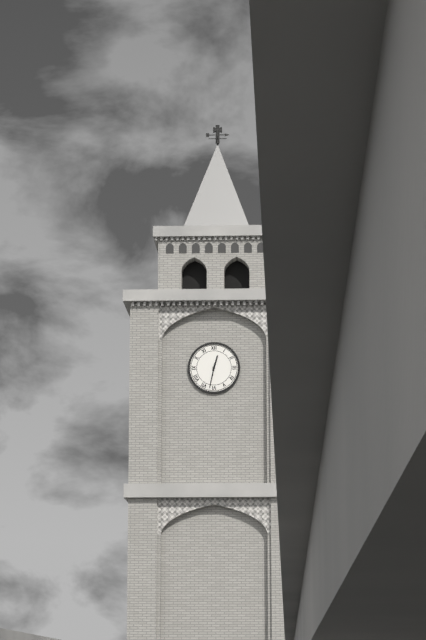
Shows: h=12 m=32
